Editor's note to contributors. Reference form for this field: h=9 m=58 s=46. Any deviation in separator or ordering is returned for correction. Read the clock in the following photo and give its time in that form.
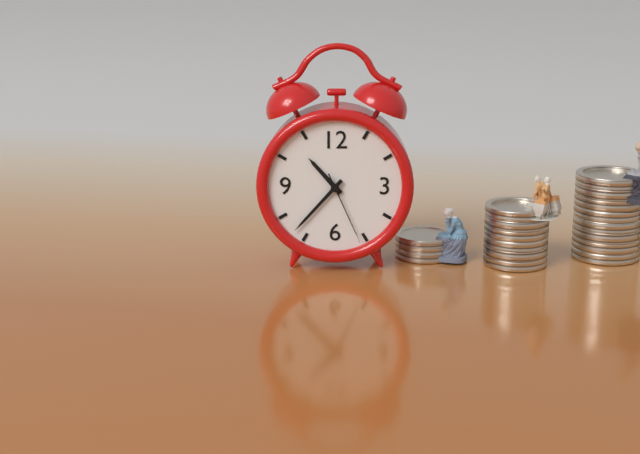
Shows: h=10 m=37 s=26
